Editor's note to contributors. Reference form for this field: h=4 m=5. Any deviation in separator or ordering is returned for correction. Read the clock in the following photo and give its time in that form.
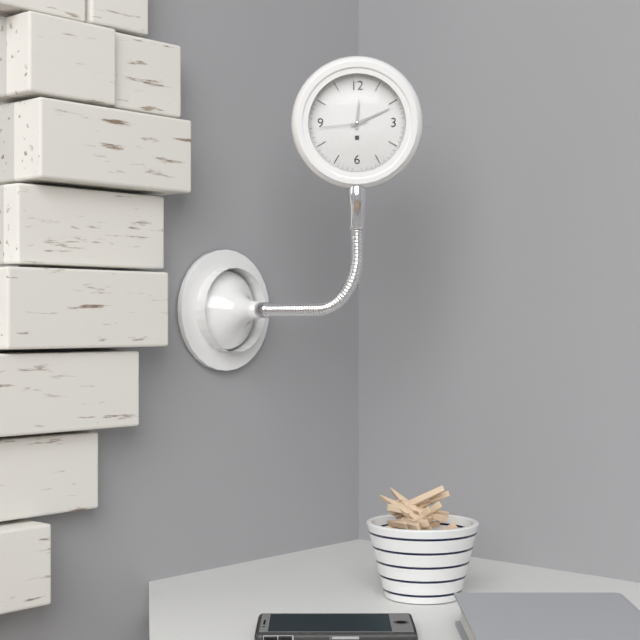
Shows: h=12 m=11
